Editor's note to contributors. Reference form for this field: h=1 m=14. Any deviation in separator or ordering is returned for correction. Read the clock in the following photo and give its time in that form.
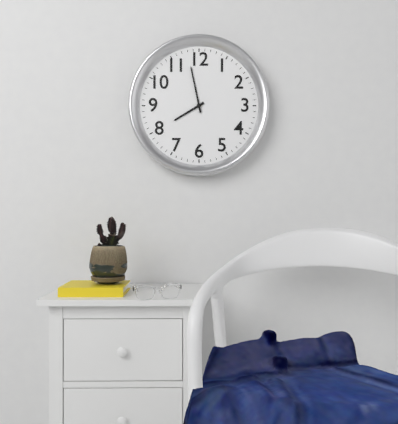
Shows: h=7 m=58
